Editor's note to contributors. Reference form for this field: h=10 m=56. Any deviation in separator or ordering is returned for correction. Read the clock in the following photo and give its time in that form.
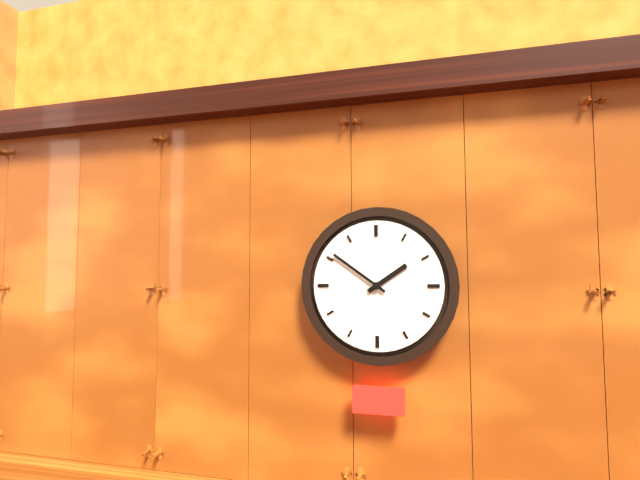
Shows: h=1 m=51
